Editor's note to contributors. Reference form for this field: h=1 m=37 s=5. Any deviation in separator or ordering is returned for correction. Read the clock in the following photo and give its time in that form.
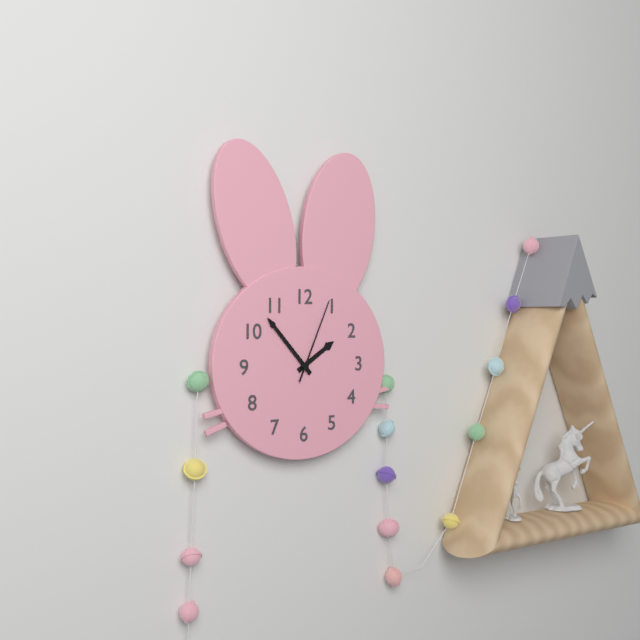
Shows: h=1 m=53 s=4
